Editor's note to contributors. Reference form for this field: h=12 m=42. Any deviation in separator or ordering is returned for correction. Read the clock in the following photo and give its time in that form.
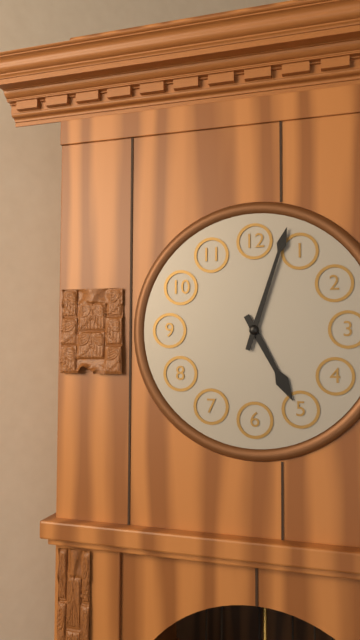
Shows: h=5 m=3
